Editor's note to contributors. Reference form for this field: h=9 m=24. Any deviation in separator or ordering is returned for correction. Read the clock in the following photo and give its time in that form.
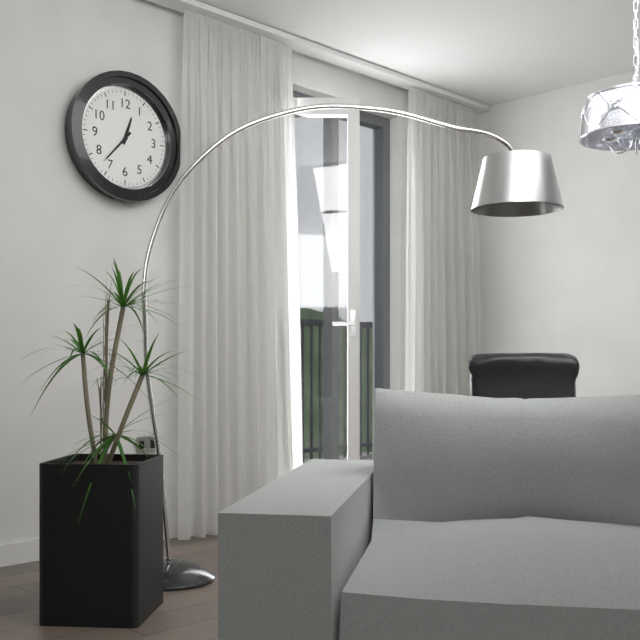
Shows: h=12 m=37
